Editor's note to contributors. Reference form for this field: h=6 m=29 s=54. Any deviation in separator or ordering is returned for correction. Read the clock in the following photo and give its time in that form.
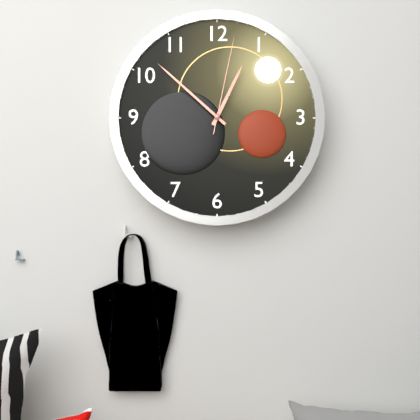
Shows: h=12 m=52 s=2
